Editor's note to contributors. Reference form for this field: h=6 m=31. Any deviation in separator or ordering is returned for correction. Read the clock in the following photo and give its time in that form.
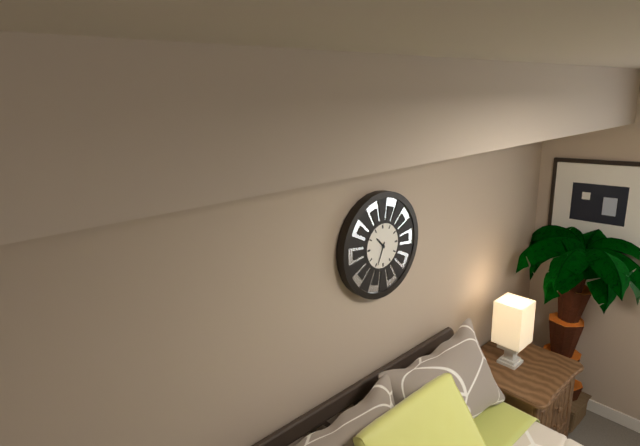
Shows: h=10 m=34
